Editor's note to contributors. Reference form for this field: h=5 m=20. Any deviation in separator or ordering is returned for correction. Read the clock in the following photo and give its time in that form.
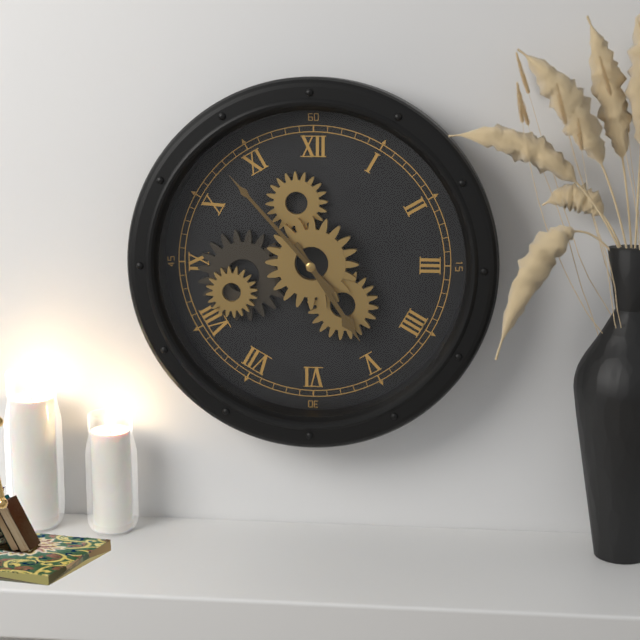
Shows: h=4 m=53
